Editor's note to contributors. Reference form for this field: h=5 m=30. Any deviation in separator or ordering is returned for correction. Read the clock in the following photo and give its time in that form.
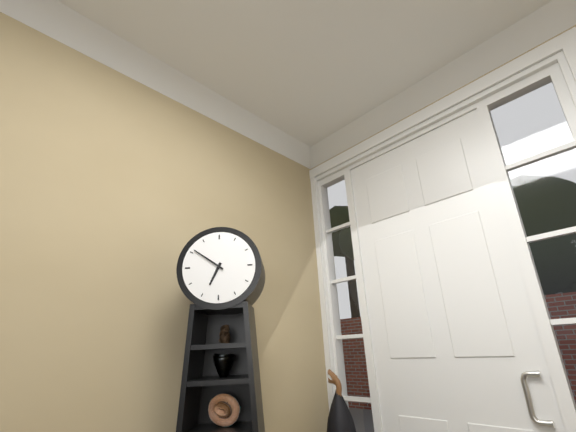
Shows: h=6 m=51
